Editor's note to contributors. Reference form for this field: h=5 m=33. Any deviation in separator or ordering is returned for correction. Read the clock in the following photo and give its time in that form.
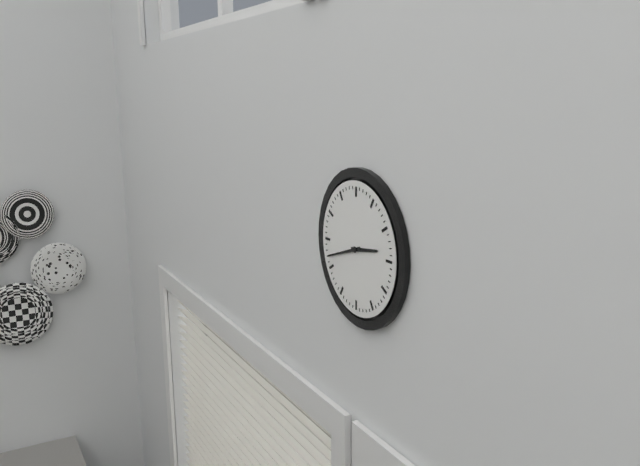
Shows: h=2 m=42
